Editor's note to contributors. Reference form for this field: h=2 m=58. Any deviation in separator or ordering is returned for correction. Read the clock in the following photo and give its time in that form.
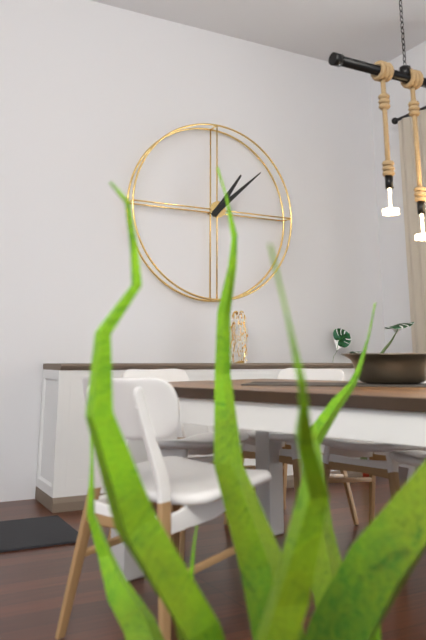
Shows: h=1 m=8
